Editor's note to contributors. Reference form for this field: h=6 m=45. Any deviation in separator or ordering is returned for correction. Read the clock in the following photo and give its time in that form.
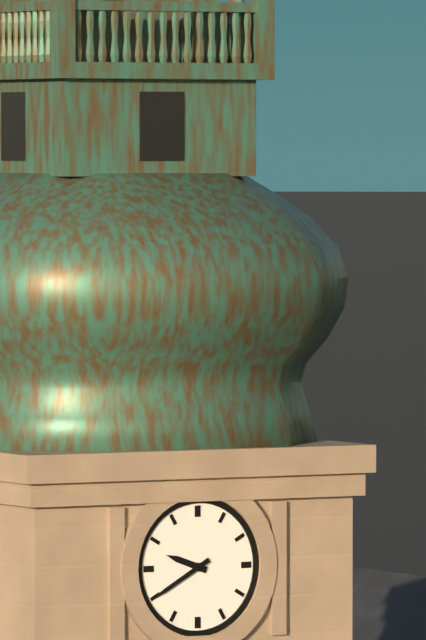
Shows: h=9 m=40
